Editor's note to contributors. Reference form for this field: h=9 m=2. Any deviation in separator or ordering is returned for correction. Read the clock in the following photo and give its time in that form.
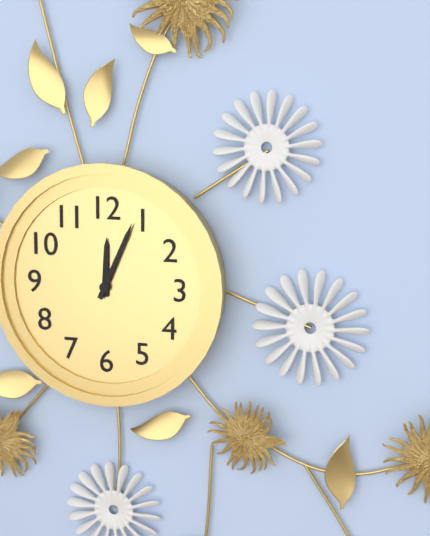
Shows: h=12 m=4
